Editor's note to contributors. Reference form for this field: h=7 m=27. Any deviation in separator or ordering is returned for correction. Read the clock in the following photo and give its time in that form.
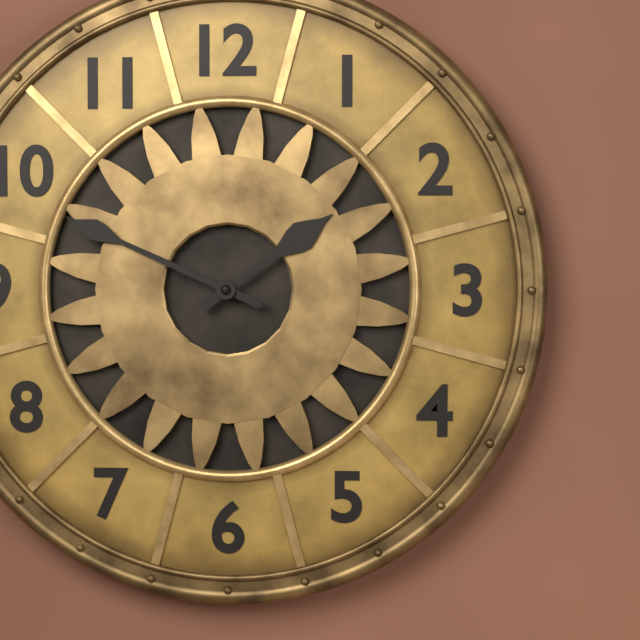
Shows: h=1 m=49
